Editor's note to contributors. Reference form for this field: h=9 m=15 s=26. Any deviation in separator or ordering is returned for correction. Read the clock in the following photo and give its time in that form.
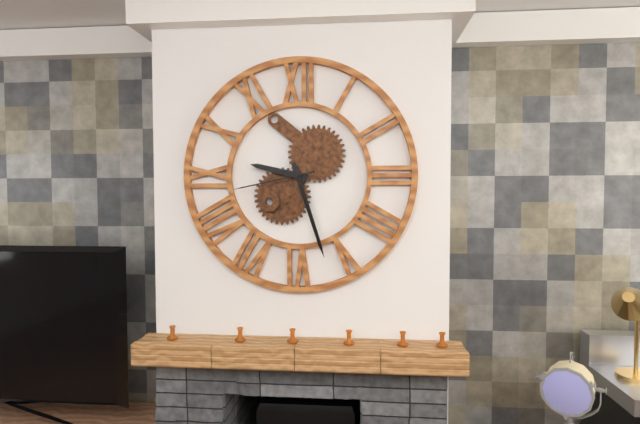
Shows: h=9 m=27 s=43
